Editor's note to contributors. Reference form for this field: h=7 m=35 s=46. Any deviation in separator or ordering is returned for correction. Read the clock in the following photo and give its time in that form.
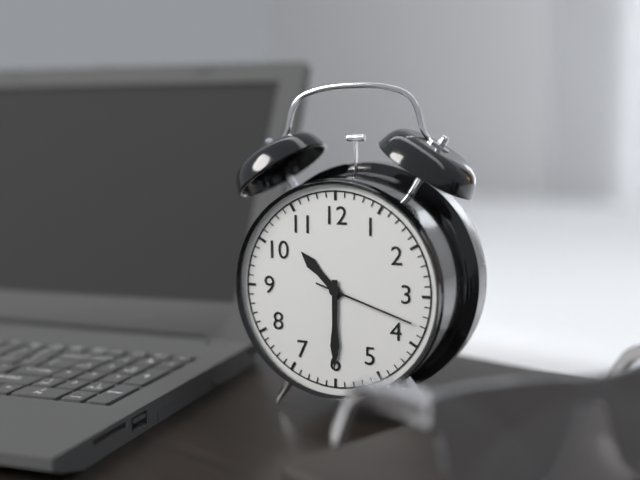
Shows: h=10 m=30 s=18
